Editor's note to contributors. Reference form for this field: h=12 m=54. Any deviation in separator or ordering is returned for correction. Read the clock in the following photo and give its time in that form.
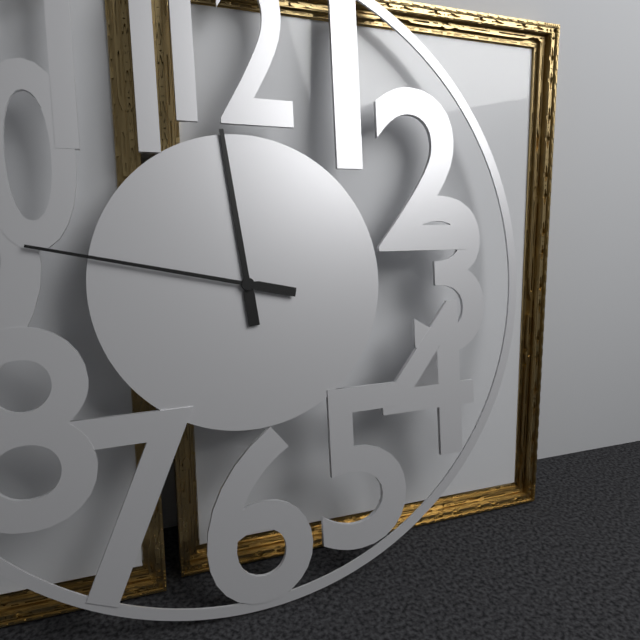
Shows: h=11 m=47
